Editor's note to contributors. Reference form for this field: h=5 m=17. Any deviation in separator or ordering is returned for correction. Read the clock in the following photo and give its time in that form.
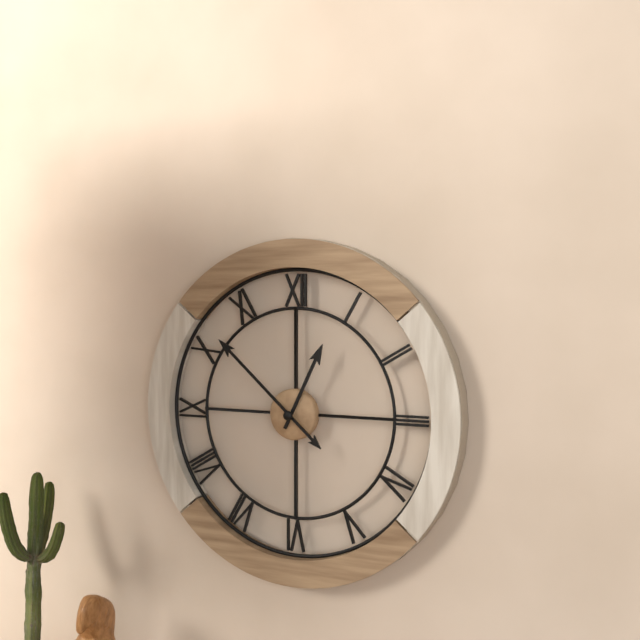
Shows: h=12 m=52
